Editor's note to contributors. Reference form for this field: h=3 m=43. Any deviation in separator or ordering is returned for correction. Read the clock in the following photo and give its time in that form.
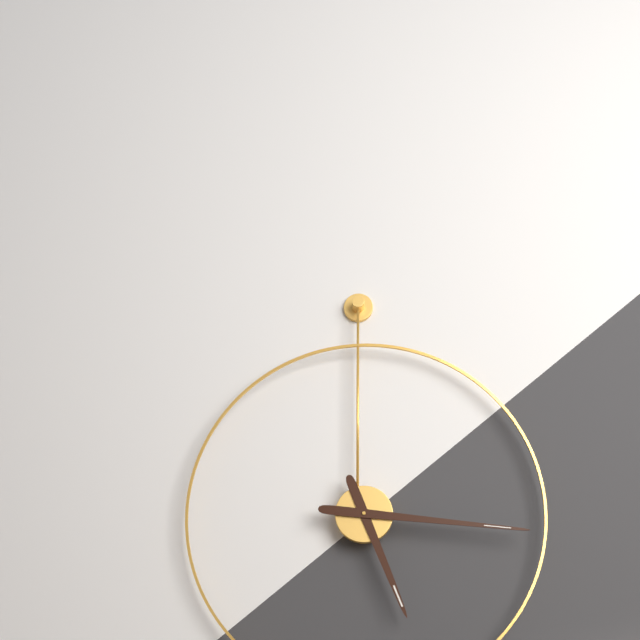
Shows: h=5 m=16
